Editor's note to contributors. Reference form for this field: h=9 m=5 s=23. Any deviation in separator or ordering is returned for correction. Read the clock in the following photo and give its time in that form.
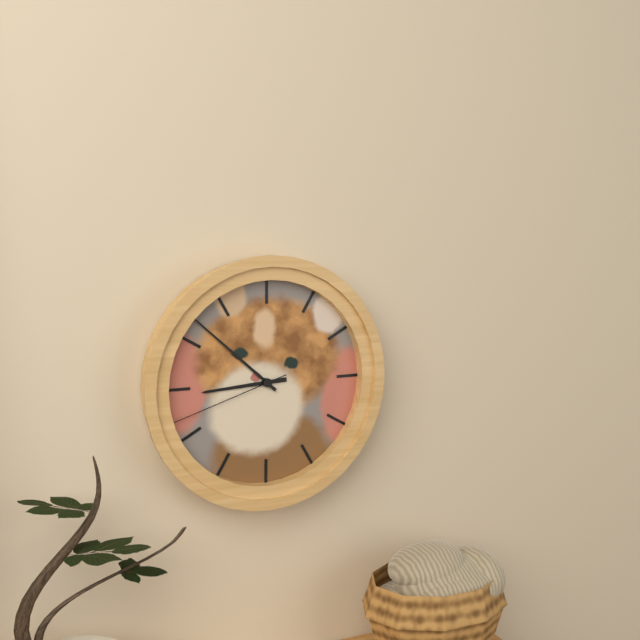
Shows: h=8 m=52 s=42
